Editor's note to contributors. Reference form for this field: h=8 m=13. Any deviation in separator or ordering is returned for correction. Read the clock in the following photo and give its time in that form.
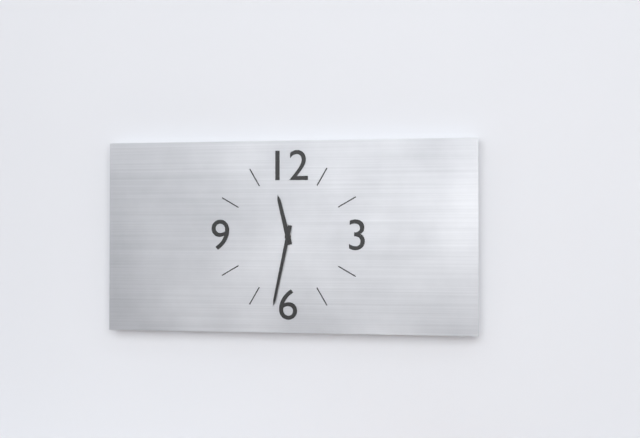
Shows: h=11 m=32
